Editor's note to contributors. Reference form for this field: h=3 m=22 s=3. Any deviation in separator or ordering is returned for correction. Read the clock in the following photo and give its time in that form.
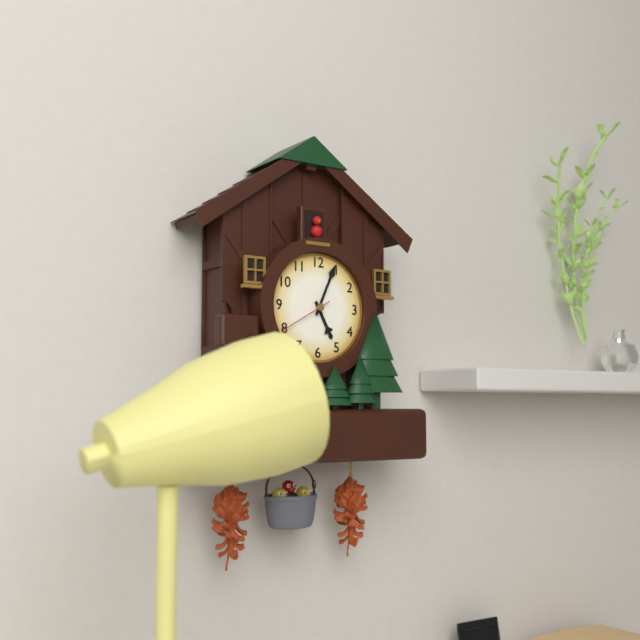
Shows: h=5 m=4 s=40
